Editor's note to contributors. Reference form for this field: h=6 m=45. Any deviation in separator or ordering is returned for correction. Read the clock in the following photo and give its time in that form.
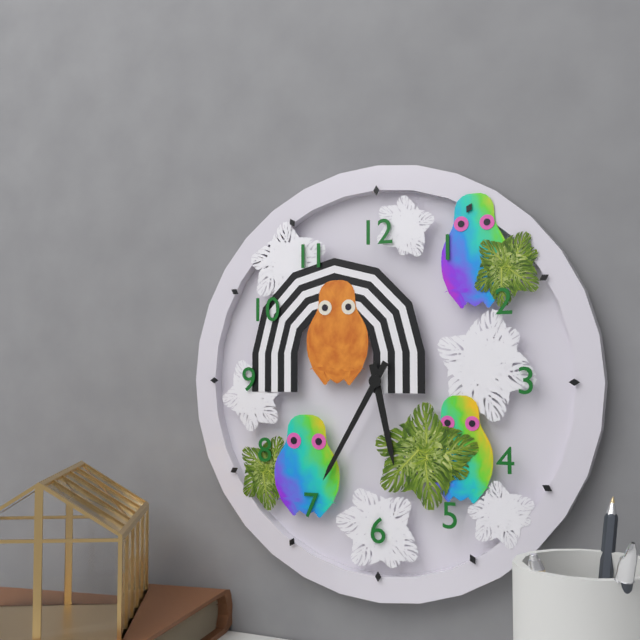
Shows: h=5 m=35
